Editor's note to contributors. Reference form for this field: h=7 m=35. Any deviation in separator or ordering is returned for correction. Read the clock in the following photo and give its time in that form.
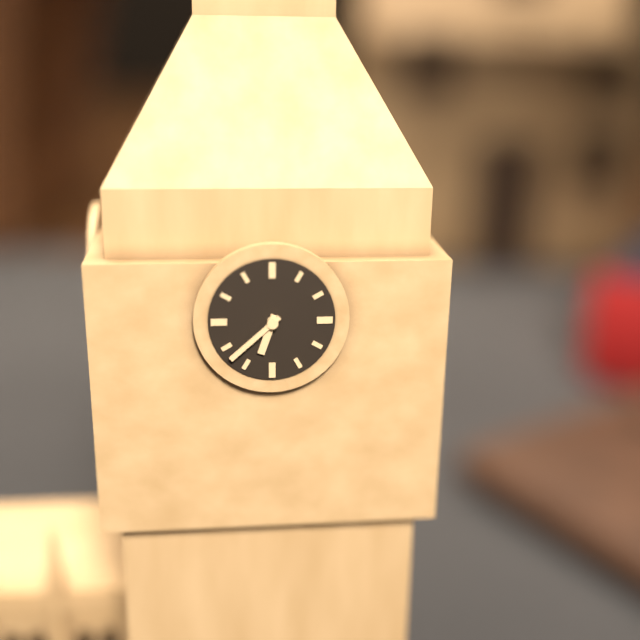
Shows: h=6 m=38
